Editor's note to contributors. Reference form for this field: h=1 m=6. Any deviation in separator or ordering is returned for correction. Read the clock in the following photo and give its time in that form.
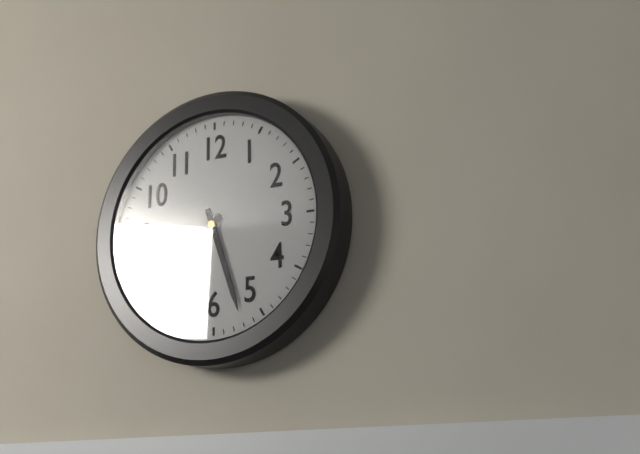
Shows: h=7 m=27
